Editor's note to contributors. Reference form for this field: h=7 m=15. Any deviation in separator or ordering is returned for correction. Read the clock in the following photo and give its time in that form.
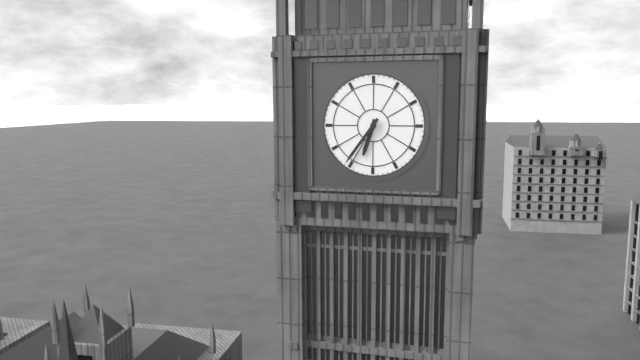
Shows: h=6 m=36
